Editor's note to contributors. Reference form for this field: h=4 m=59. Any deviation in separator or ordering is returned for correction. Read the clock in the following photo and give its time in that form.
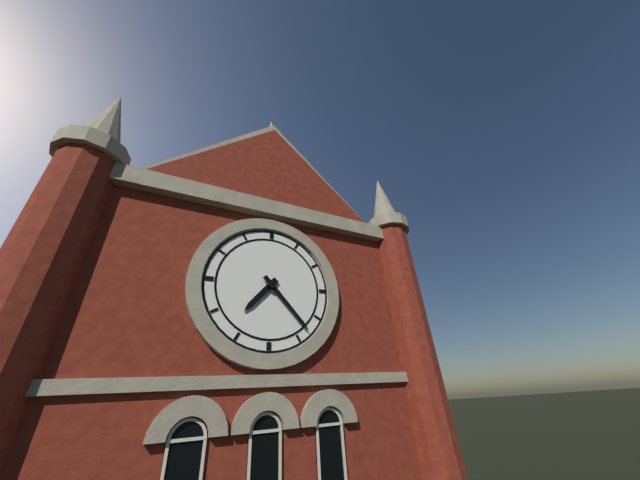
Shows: h=7 m=23
